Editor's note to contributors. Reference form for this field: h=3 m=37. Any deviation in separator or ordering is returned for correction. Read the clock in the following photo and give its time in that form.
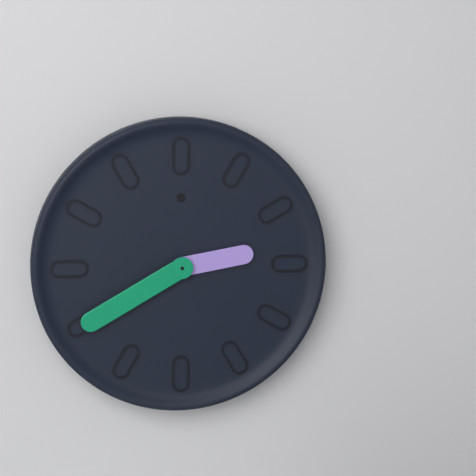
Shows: h=2 m=40
